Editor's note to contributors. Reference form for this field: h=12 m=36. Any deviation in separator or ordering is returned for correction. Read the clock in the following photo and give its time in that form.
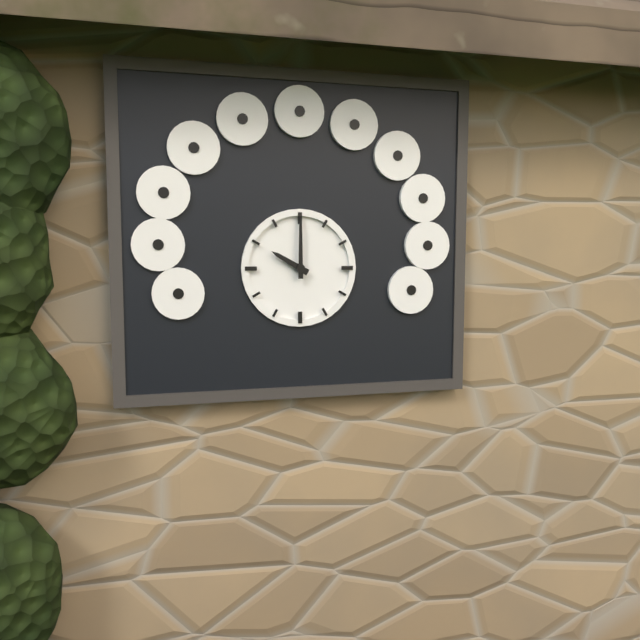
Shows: h=10 m=0
